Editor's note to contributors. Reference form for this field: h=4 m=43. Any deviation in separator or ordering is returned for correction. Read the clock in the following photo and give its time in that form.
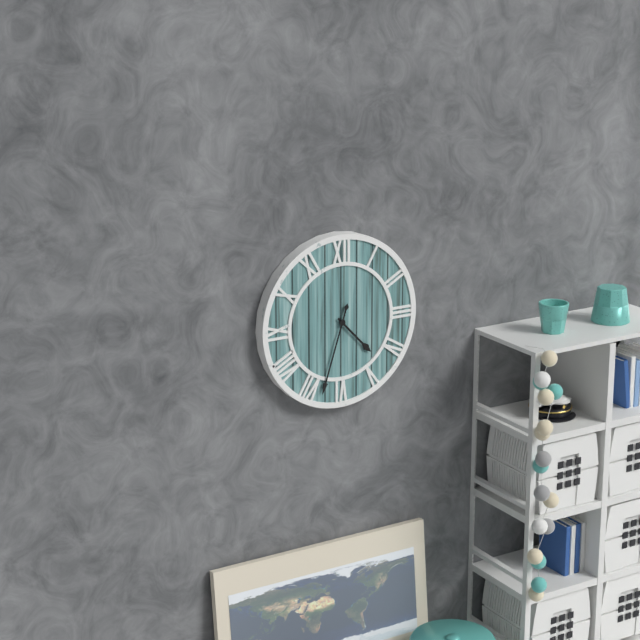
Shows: h=4 m=33
